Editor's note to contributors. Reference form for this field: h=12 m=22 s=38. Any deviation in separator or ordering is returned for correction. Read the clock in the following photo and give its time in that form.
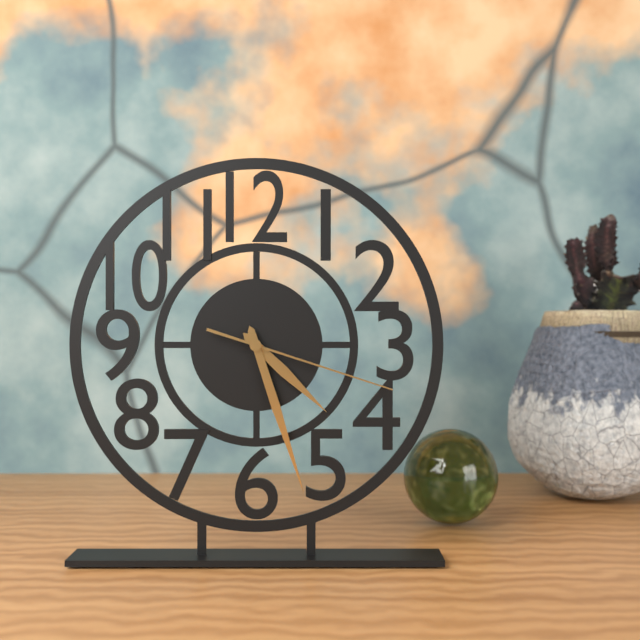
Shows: h=4 m=27 s=18
